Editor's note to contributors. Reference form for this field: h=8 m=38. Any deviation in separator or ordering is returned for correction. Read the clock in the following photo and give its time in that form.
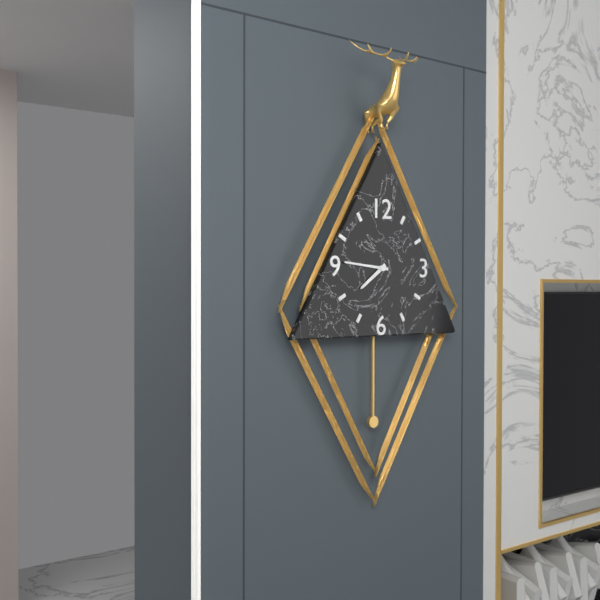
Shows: h=7 m=46
